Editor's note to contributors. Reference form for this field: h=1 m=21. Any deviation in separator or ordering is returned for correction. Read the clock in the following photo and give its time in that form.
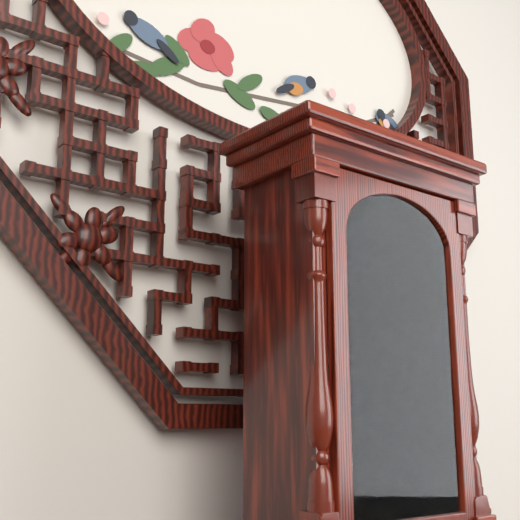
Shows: h=6 m=22
